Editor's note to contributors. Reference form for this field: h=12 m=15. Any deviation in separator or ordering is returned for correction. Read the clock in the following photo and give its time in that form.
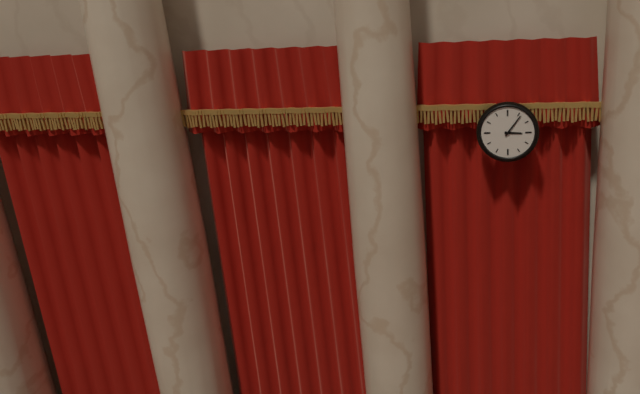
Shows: h=3 m=6
